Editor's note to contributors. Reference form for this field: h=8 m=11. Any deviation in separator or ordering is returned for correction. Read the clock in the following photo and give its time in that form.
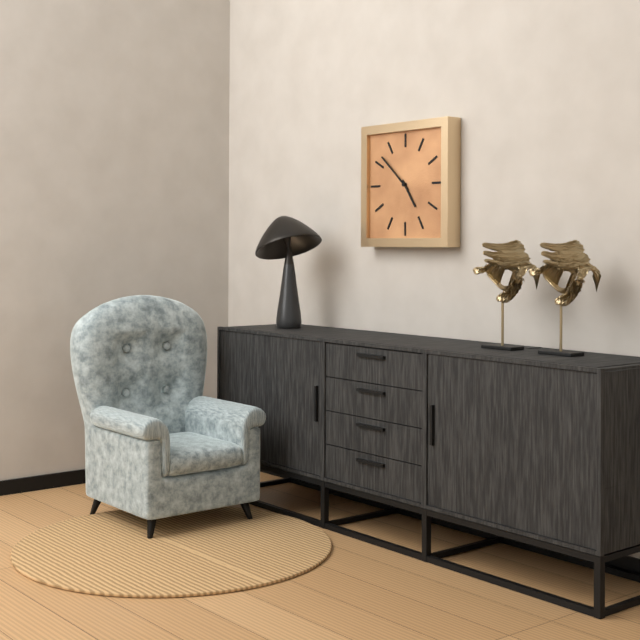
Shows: h=4 m=52
